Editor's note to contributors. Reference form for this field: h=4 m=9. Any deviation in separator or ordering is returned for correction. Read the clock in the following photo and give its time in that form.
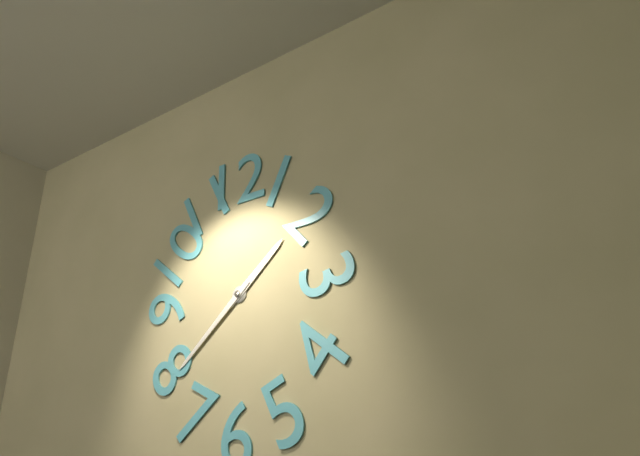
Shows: h=1 m=38
